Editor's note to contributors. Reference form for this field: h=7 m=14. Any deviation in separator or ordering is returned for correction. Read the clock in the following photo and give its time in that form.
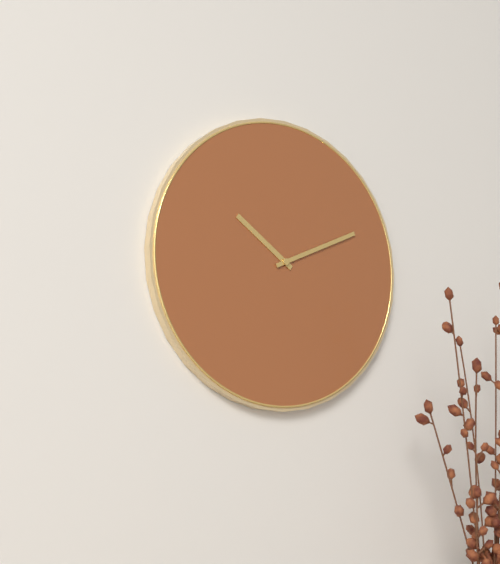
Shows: h=10 m=11
